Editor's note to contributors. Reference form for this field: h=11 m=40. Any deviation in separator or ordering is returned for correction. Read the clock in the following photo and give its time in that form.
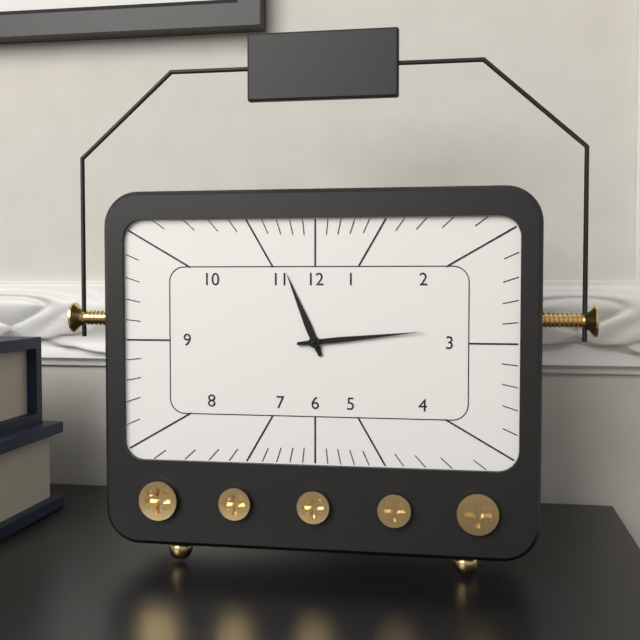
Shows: h=11 m=14
